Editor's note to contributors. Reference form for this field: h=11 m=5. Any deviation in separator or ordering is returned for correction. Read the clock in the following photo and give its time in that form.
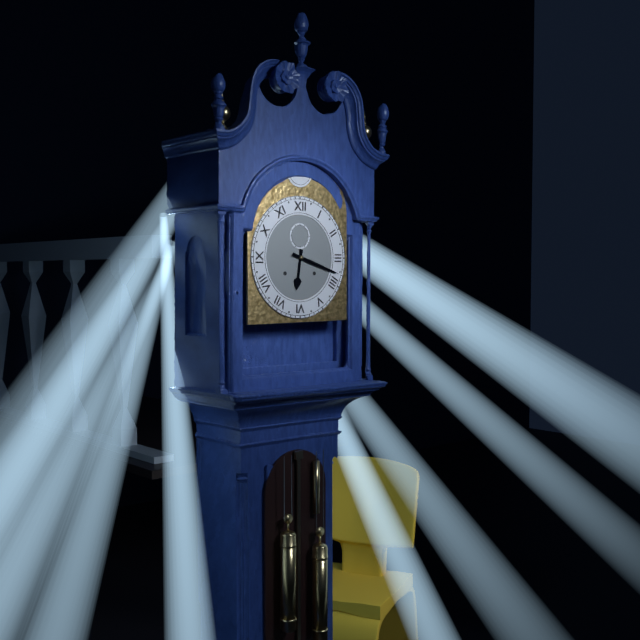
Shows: h=6 m=18
